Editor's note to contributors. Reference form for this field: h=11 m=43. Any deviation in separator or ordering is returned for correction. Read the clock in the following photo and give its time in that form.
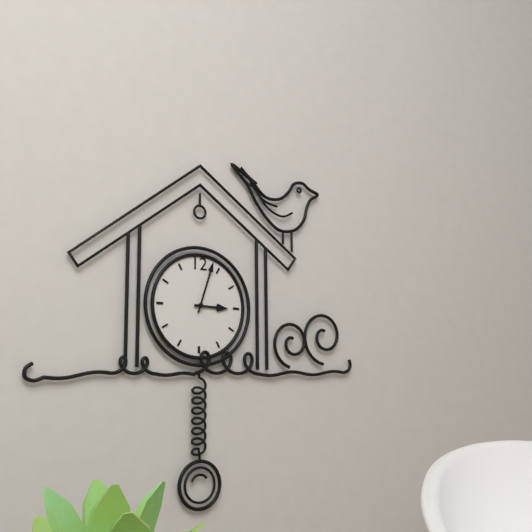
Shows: h=3 m=3
